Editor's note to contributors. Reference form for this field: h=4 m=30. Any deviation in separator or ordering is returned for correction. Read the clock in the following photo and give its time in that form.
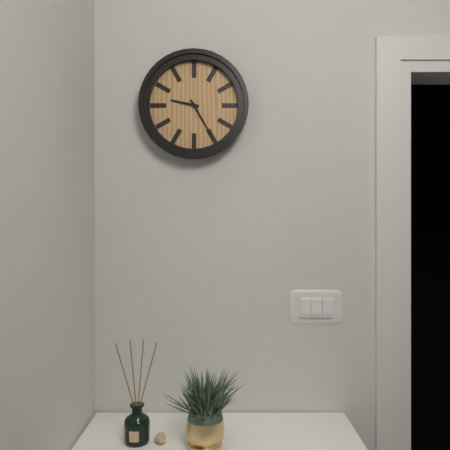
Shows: h=9 m=25
